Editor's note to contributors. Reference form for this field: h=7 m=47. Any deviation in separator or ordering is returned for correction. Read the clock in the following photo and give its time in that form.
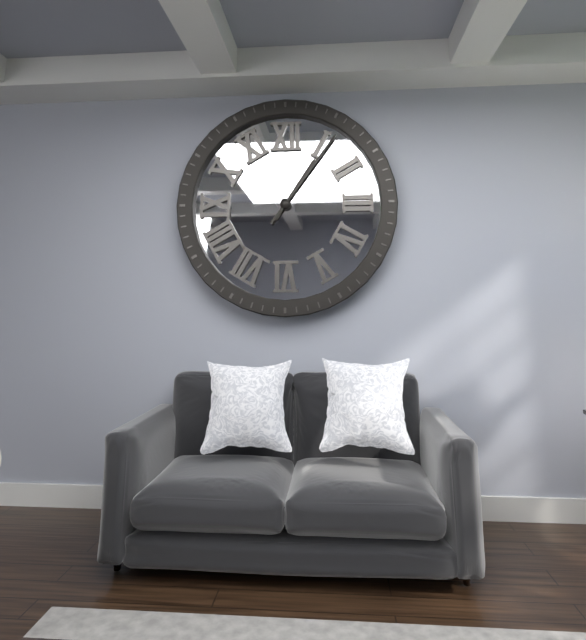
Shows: h=1 m=6
